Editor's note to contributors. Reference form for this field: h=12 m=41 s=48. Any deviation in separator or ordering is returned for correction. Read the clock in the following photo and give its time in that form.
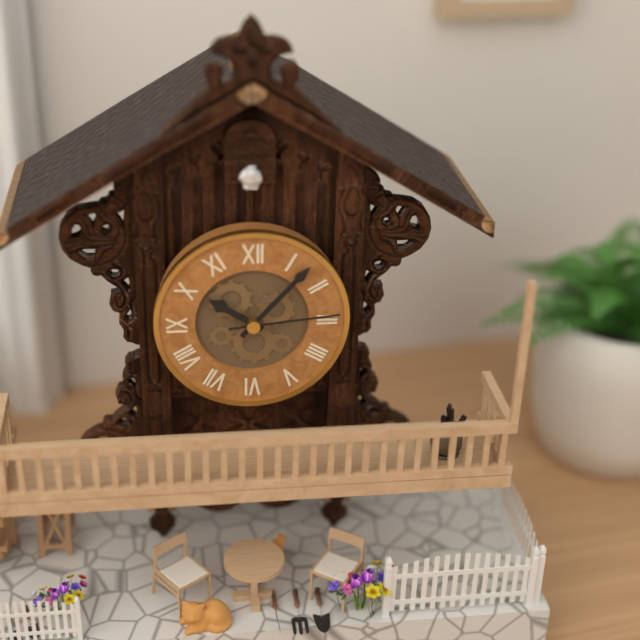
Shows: h=10 m=7 s=14
